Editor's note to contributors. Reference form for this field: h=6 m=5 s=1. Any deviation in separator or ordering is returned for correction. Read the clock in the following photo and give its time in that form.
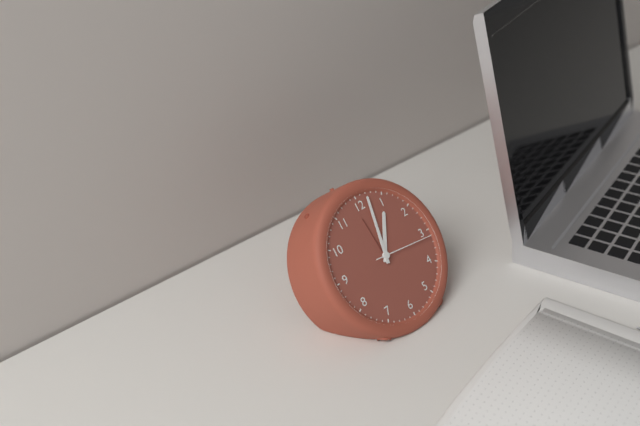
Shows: h=1 m=2 s=16
